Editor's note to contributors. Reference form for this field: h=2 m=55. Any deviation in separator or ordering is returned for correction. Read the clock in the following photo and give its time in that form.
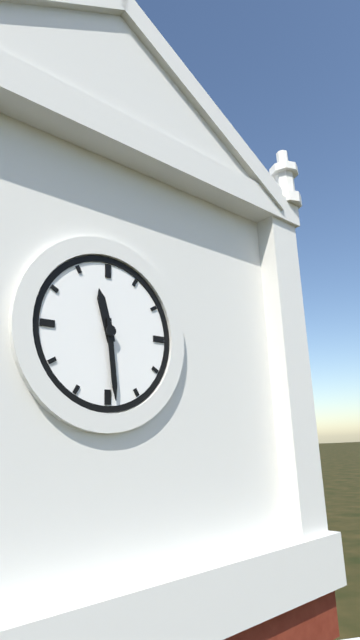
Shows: h=11 m=29
